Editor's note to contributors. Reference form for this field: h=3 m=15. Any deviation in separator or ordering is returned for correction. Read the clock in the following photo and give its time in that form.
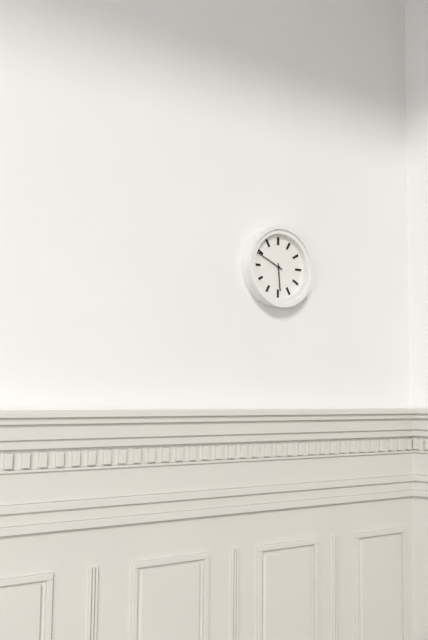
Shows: h=5 m=49
